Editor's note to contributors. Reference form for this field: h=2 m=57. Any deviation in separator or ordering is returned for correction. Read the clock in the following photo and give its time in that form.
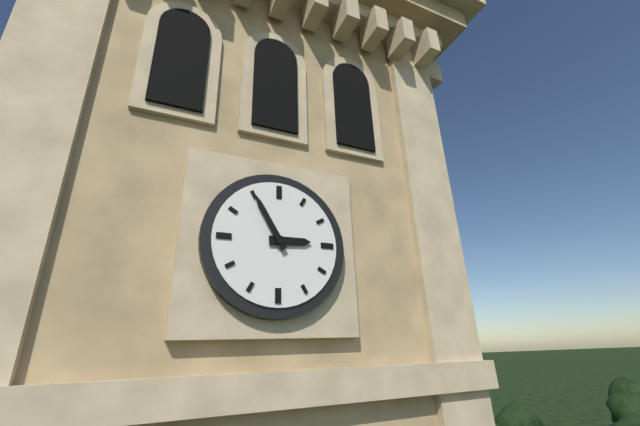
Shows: h=2 m=55
